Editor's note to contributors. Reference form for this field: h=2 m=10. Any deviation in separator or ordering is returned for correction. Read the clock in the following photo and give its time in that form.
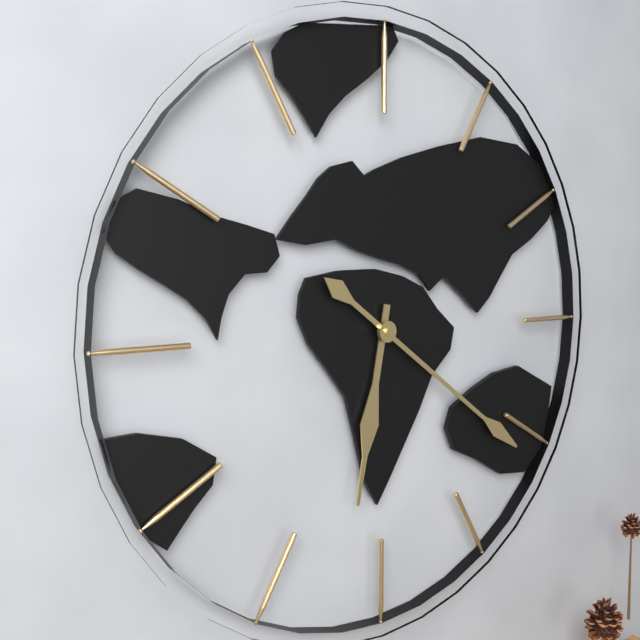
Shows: h=6 m=21
